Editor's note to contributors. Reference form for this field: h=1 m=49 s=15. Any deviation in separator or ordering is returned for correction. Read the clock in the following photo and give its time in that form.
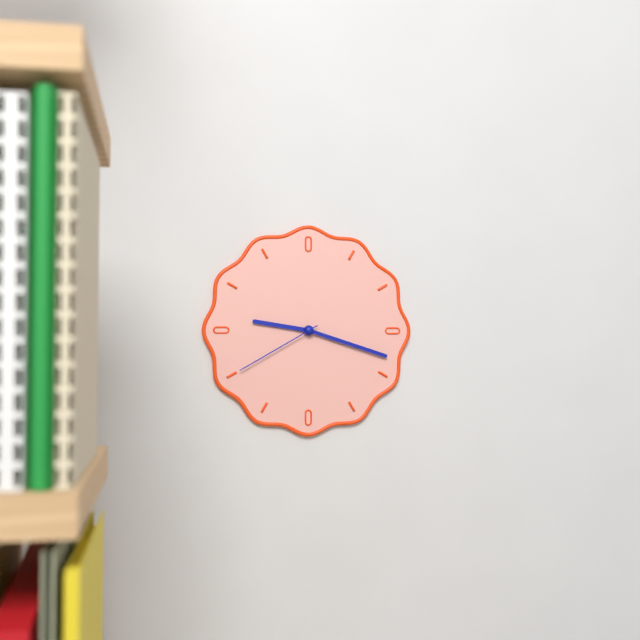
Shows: h=9 m=18 s=40
